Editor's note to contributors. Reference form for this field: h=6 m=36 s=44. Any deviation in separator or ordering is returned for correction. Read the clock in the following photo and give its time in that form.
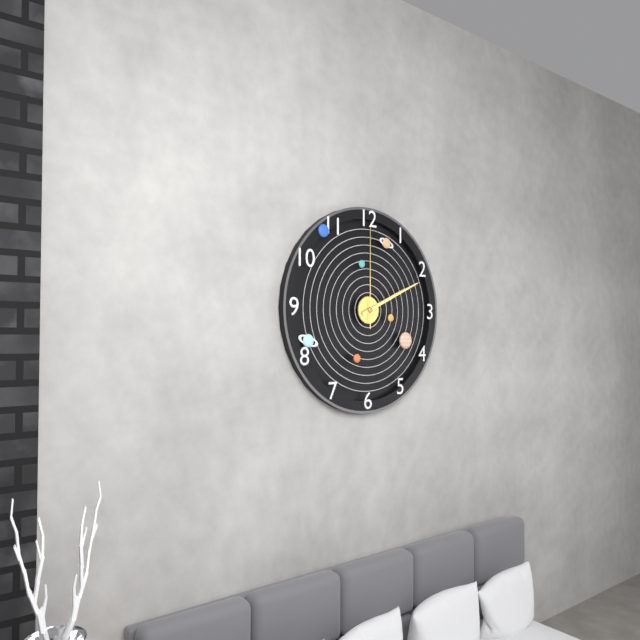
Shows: h=2 m=11 s=0
